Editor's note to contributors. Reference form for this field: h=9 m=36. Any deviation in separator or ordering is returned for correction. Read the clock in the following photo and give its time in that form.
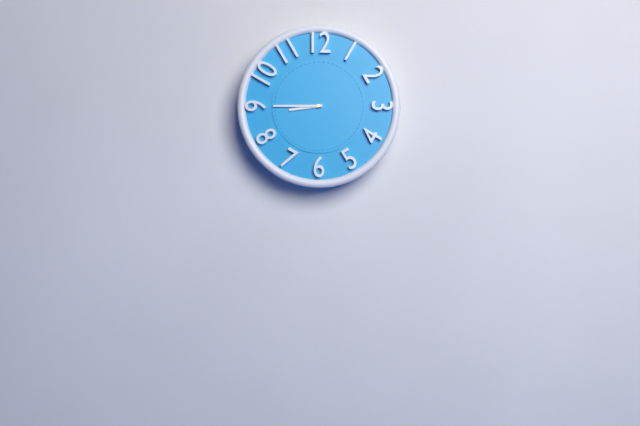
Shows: h=8 m=45
